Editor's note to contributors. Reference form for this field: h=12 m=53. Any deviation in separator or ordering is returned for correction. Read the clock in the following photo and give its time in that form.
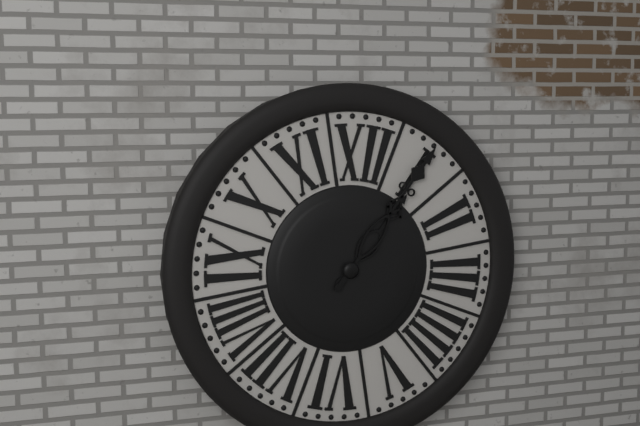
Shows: h=1 m=5
